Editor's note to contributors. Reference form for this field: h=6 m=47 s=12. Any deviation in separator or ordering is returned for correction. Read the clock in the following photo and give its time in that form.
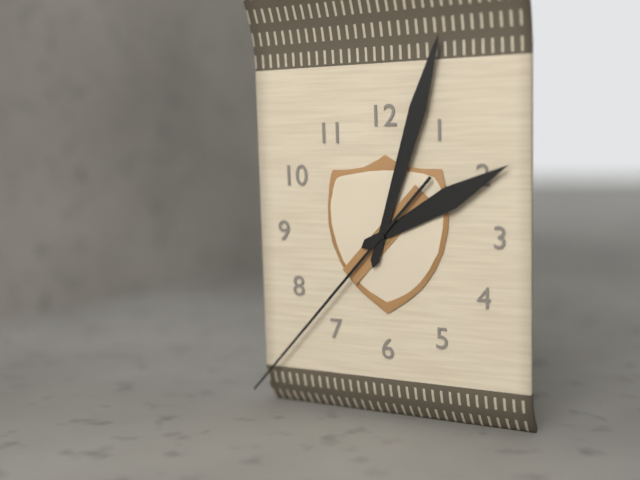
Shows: h=2 m=3 s=37
